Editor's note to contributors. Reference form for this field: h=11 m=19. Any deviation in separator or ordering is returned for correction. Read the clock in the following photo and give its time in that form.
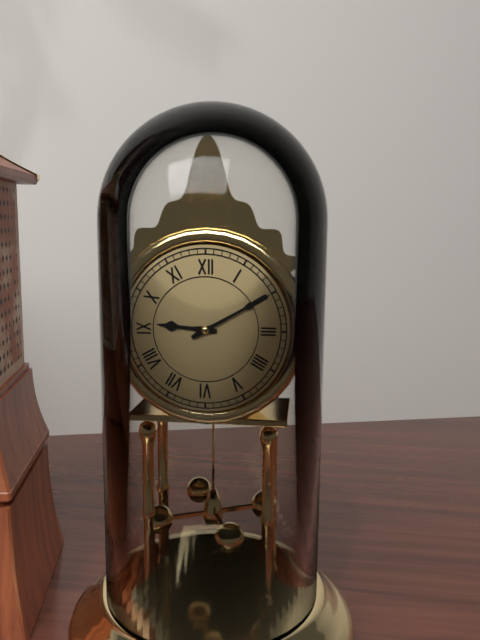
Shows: h=9 m=10
